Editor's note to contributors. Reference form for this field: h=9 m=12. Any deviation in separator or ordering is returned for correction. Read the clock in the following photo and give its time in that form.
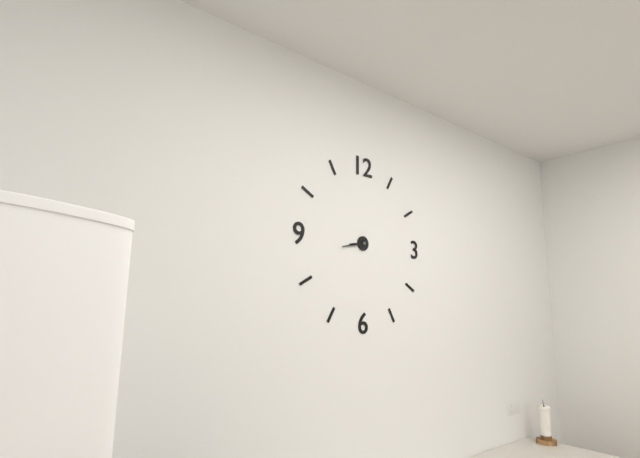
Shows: h=8 m=43
